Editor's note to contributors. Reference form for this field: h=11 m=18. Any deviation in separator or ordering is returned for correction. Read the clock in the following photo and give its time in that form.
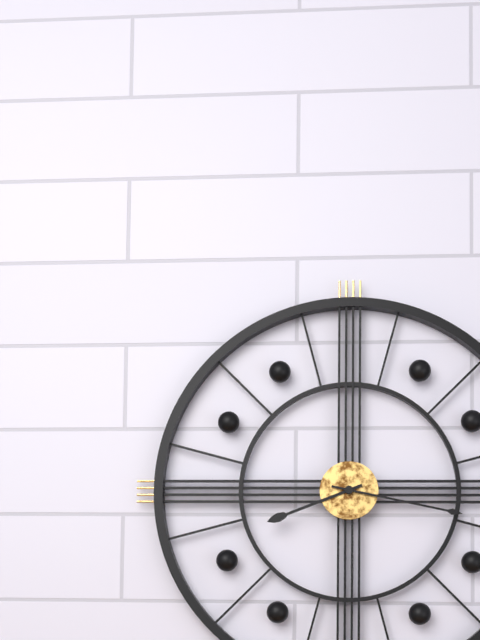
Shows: h=8 m=17
